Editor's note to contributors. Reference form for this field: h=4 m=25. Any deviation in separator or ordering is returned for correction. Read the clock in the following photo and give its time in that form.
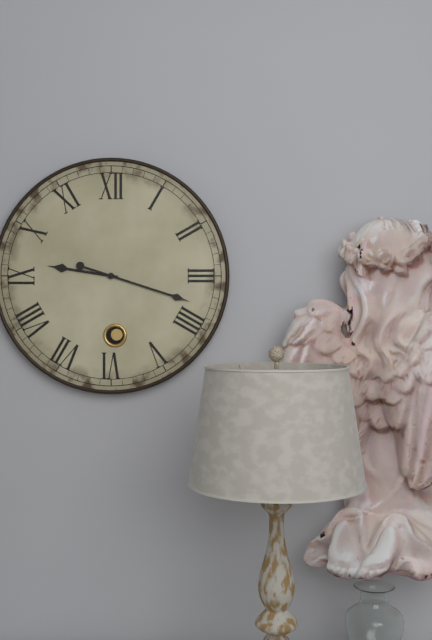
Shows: h=9 m=18
